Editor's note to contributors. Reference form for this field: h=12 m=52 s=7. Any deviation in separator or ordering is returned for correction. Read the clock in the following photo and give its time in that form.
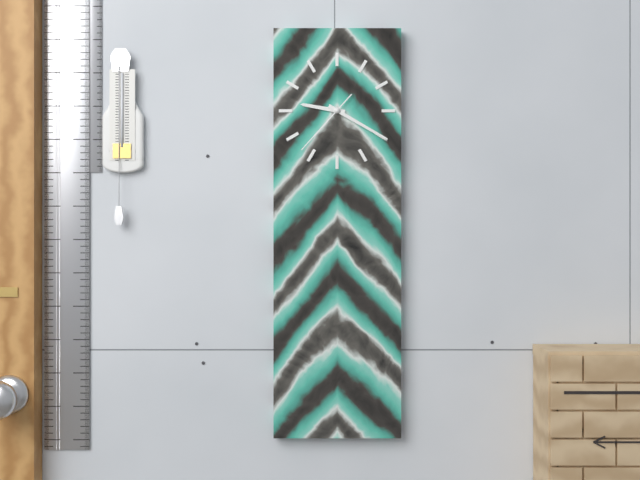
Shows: h=9 m=20 s=37
